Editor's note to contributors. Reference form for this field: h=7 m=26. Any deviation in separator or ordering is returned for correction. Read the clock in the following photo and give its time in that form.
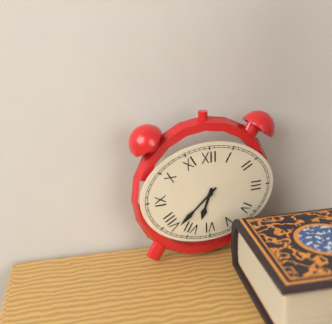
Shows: h=6 m=38
